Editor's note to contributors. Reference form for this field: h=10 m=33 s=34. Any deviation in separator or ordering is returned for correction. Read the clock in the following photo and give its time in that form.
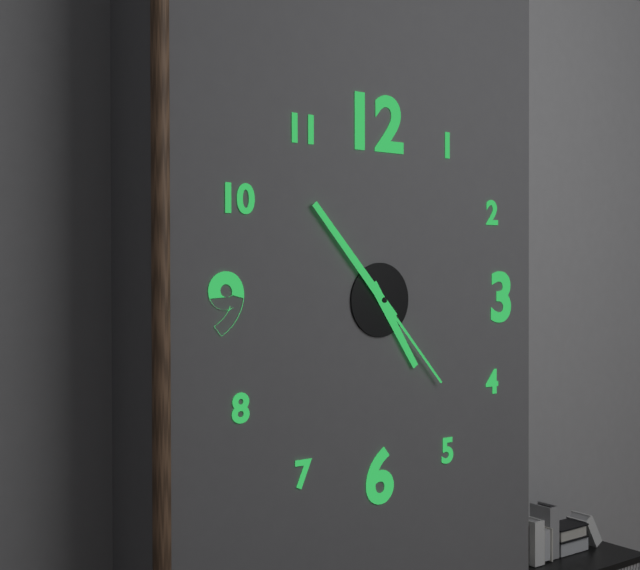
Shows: h=4 m=53 s=23
